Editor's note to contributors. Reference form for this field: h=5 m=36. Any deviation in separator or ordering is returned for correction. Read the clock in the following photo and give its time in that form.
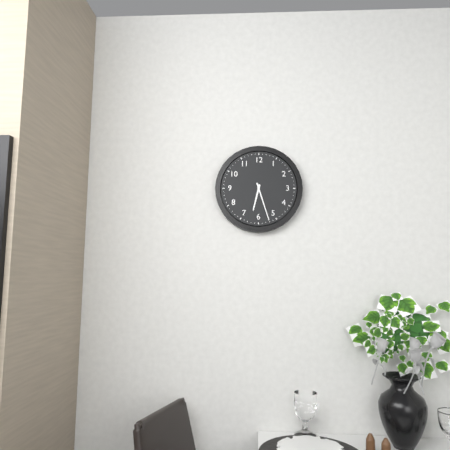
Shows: h=6 m=27
